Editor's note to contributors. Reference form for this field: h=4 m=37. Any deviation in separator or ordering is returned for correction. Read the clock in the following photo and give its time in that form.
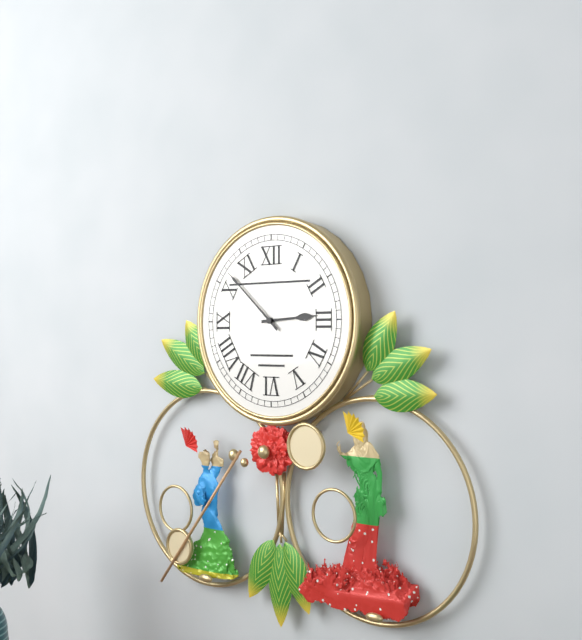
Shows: h=2 m=52
